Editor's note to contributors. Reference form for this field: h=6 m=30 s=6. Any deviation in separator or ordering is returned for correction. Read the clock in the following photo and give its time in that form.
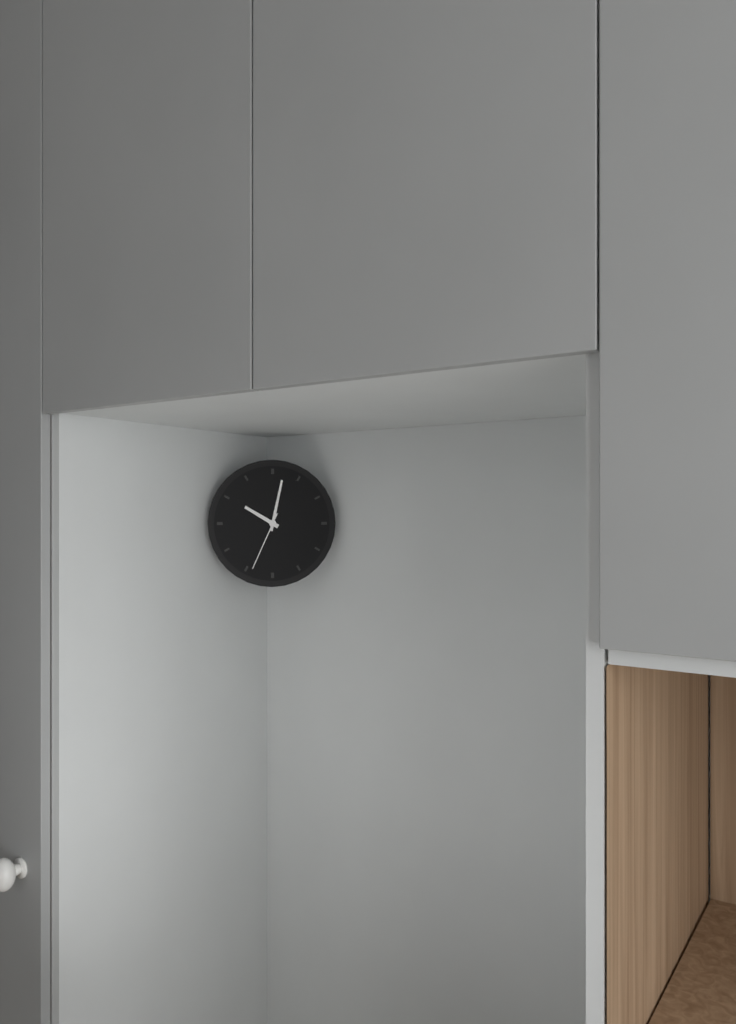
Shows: h=10 m=2 s=34
